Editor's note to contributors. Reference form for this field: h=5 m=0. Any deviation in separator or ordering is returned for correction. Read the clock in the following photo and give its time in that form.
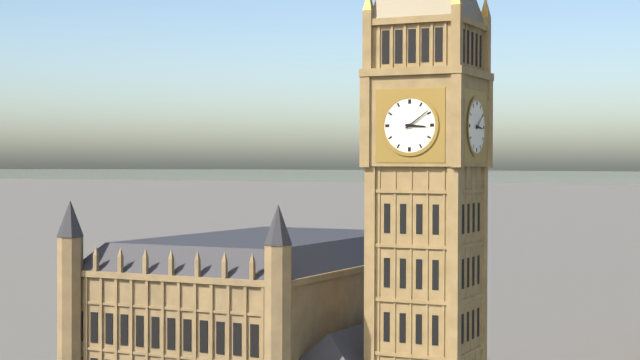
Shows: h=3 m=9
